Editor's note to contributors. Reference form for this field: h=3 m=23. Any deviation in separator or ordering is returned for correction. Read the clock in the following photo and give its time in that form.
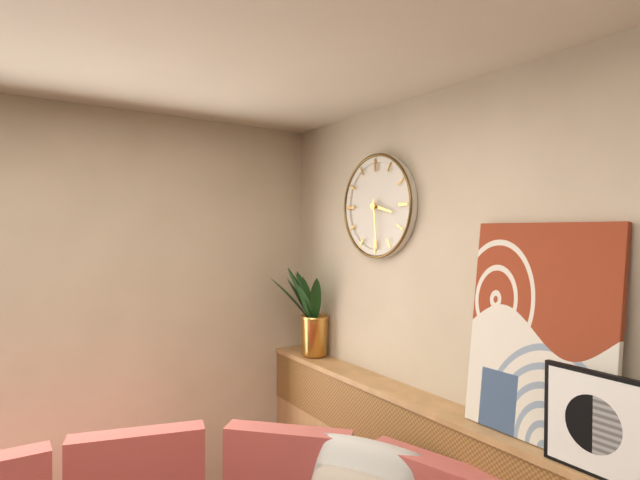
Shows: h=3 m=29
